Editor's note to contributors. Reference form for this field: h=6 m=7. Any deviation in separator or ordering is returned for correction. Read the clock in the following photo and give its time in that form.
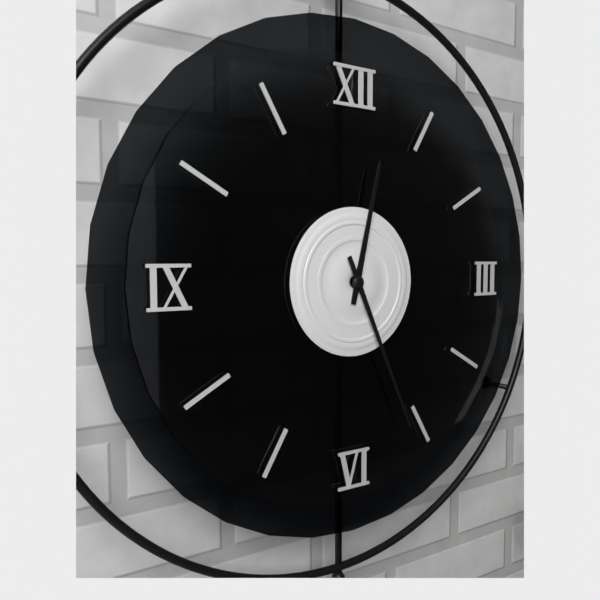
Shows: h=12 m=26
